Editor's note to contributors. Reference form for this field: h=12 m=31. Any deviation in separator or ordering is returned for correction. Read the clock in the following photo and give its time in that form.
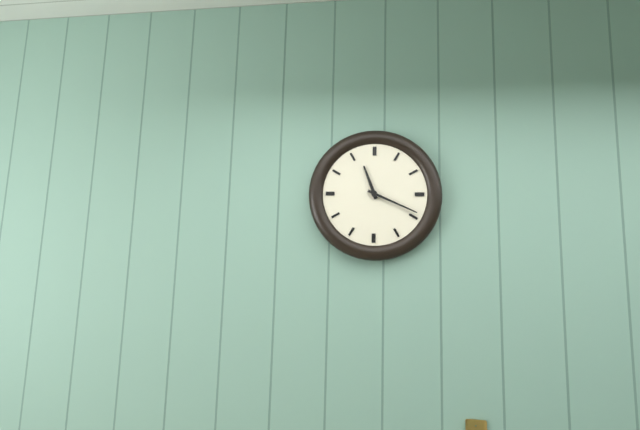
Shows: h=11 m=19
